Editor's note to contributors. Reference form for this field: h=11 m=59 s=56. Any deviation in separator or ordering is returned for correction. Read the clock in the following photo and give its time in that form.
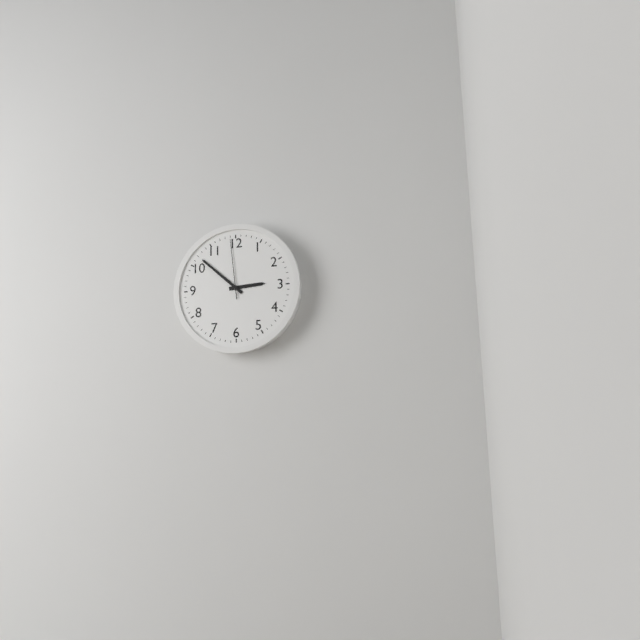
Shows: h=2 m=52 s=59
